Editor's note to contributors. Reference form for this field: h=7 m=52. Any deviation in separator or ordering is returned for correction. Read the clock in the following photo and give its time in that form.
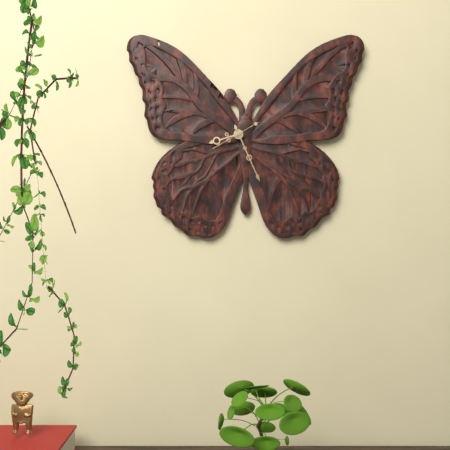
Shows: h=8 m=26
